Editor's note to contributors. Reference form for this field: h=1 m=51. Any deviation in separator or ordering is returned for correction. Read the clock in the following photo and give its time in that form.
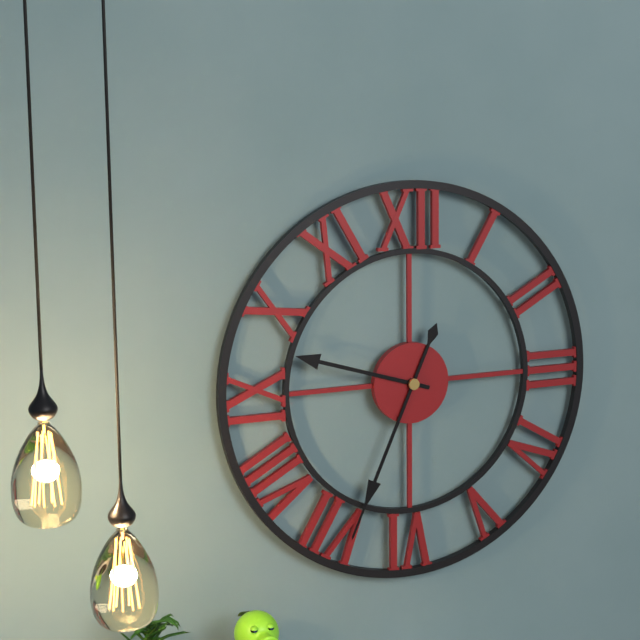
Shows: h=9 m=34
